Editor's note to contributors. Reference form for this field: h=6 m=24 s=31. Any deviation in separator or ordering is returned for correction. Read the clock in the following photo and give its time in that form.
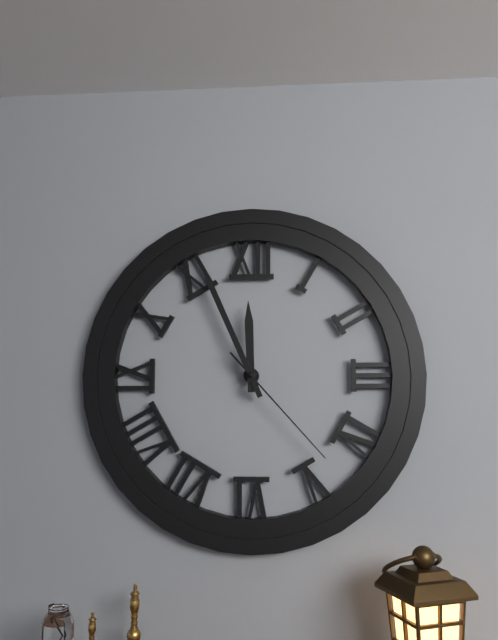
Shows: h=11 m=56 s=23
